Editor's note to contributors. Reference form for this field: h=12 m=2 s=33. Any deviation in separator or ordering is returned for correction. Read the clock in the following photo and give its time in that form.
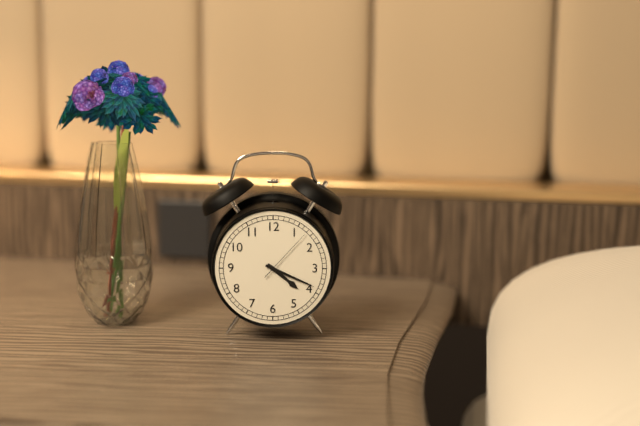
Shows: h=4 m=19 s=7
